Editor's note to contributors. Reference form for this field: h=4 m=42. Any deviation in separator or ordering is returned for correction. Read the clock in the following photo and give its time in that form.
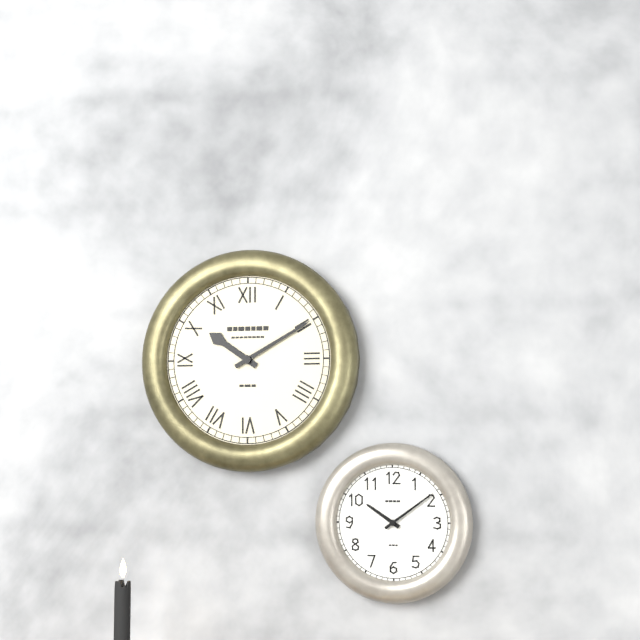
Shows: h=10 m=10
